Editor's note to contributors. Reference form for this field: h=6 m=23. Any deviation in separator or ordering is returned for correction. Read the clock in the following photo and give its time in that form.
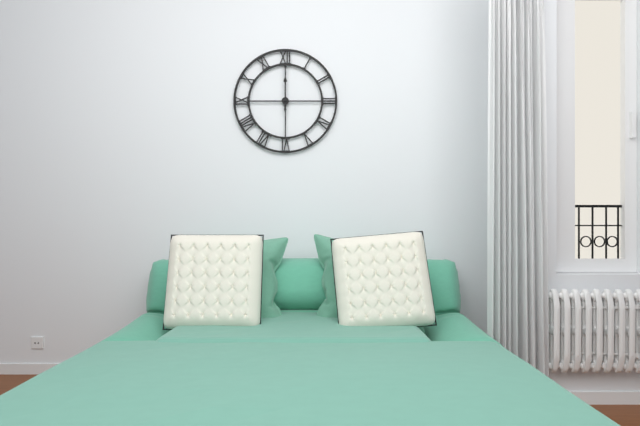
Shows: h=12 m=0
